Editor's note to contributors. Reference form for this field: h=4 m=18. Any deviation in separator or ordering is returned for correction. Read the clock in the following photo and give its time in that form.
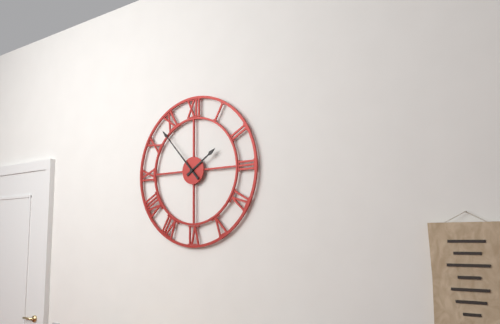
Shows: h=1 m=53
